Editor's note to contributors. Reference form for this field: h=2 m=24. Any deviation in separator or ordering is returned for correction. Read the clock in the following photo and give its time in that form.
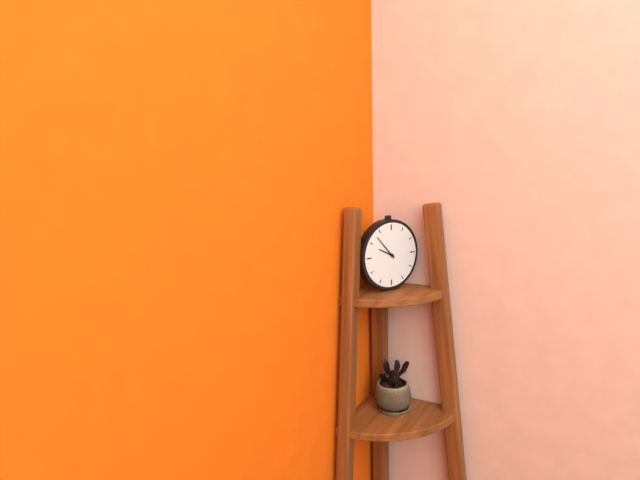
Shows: h=9 m=53
